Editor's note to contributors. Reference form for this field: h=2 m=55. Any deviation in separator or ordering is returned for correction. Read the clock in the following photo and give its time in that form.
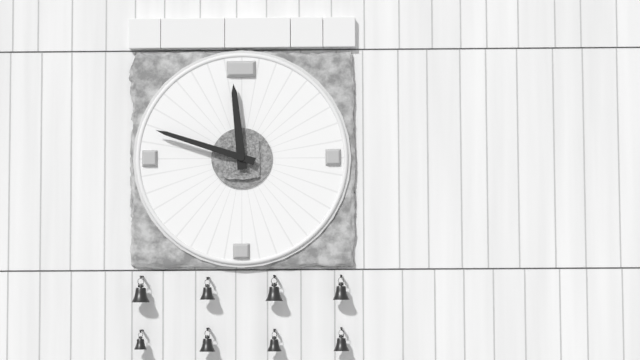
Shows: h=11 m=48
